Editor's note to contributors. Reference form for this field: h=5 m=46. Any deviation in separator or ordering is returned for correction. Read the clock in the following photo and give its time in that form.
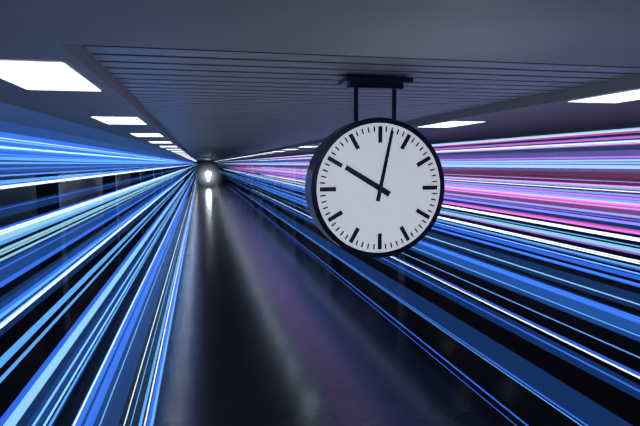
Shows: h=10 m=2
